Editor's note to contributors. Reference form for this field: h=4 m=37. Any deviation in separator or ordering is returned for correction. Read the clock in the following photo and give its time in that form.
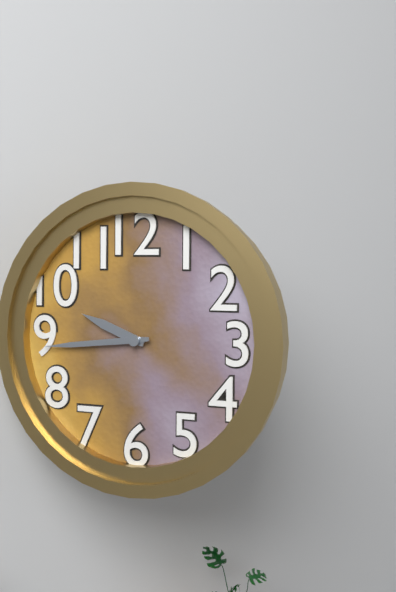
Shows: h=9 m=44
